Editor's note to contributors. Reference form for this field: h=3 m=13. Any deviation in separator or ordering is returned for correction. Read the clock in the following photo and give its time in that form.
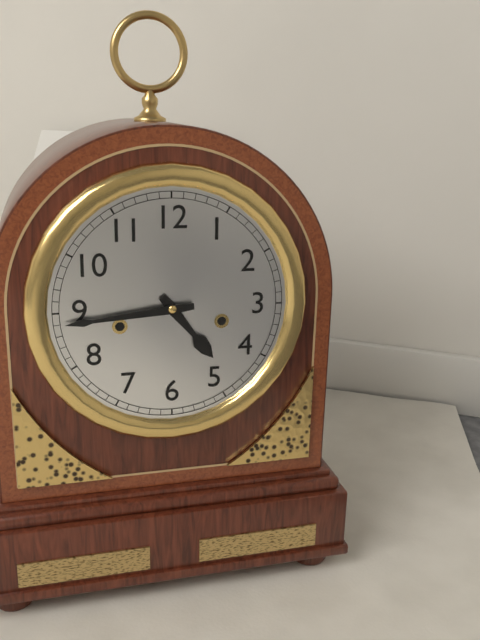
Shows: h=4 m=44
